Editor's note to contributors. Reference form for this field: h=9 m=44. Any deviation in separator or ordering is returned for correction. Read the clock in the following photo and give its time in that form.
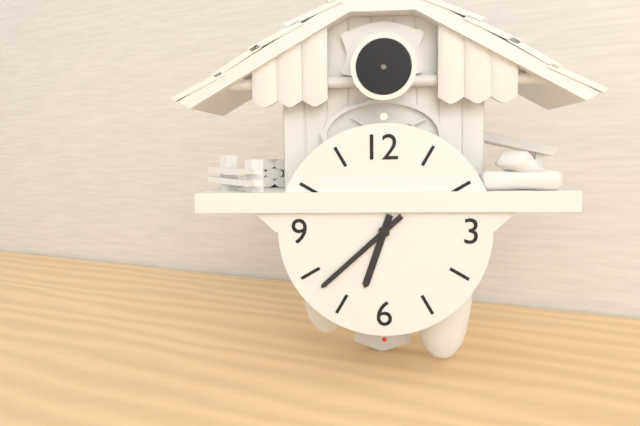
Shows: h=6 m=38
